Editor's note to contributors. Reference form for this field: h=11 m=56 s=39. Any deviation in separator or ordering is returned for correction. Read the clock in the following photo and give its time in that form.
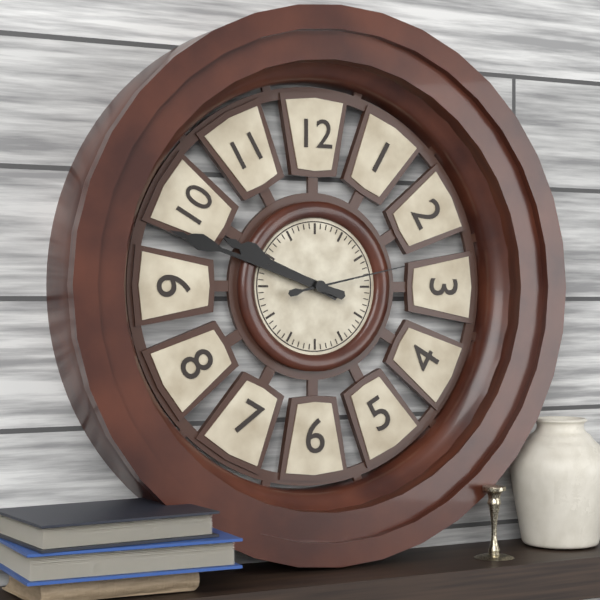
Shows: h=9 m=48 s=13
